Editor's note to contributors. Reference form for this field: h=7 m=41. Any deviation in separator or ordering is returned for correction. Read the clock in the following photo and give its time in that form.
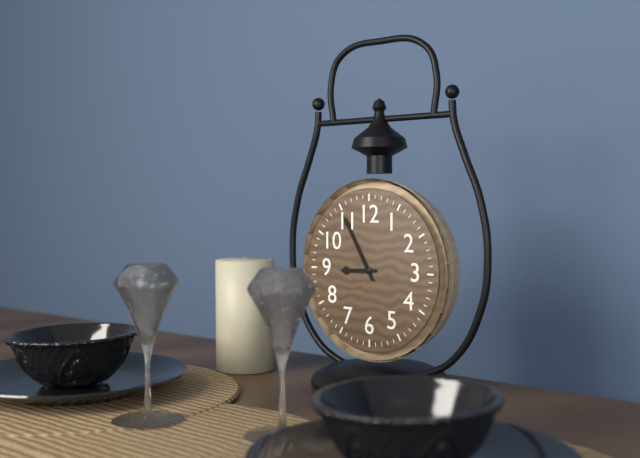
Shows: h=8 m=55
